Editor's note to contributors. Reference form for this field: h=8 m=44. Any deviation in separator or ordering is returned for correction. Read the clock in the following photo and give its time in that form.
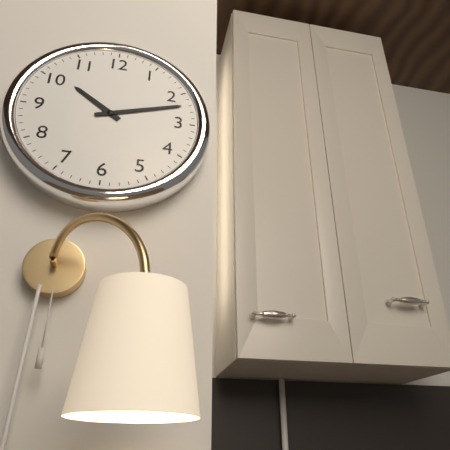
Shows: h=10 m=12
